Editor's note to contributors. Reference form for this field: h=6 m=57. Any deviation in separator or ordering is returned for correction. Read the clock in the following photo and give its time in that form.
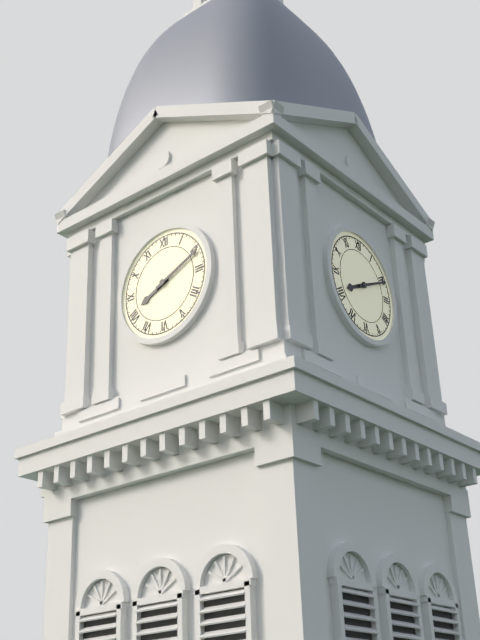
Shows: h=8 m=11
